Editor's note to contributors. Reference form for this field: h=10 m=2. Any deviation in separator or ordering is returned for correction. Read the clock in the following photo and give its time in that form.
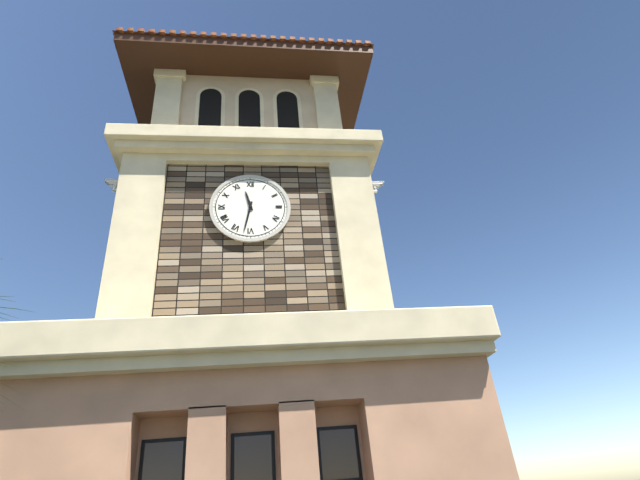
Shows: h=11 m=32
